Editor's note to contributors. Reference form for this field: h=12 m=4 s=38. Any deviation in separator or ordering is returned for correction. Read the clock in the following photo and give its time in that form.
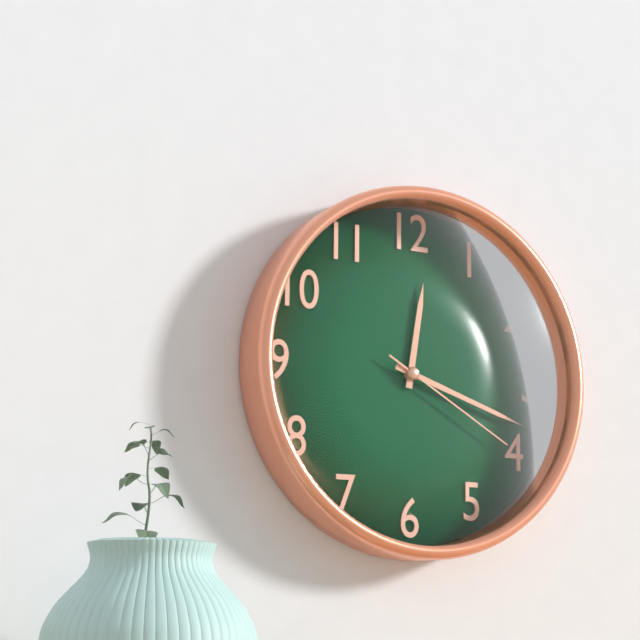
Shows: h=12 m=18 s=20
